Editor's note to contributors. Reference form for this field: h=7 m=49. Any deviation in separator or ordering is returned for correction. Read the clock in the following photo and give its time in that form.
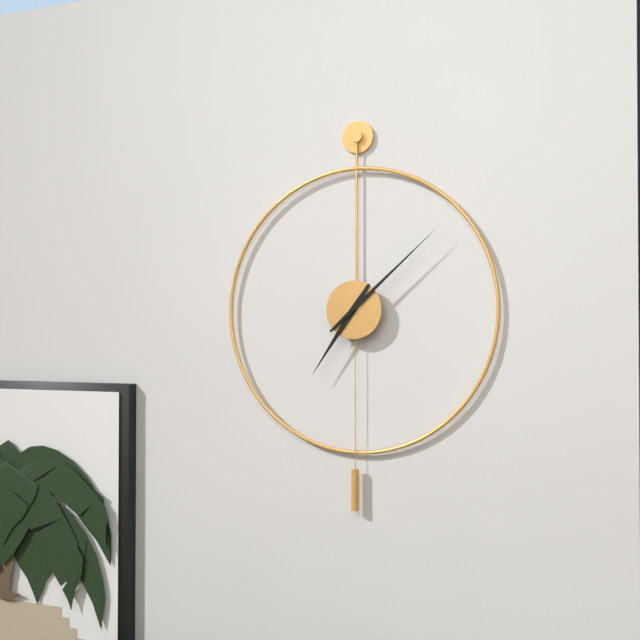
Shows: h=7 m=8
